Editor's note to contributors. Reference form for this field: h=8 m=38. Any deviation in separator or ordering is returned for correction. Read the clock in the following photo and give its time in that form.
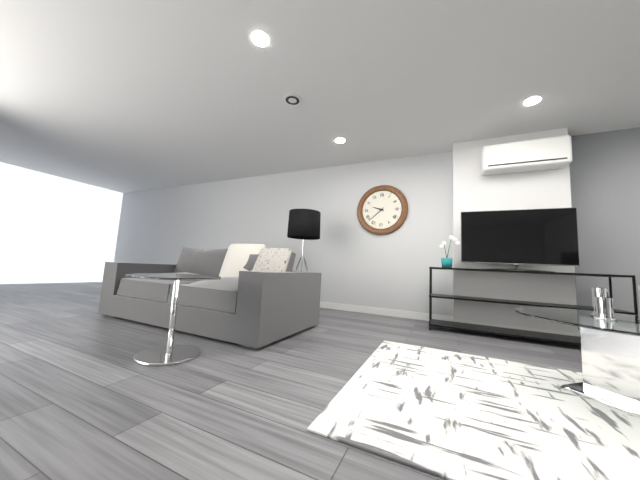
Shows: h=9 m=38
